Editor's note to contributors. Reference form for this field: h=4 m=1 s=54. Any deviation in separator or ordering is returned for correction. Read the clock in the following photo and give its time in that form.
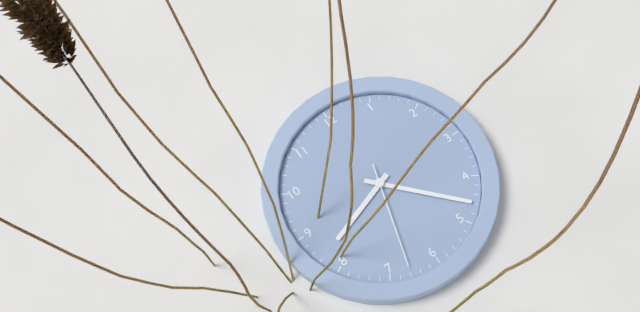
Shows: h=8 m=23 s=33
